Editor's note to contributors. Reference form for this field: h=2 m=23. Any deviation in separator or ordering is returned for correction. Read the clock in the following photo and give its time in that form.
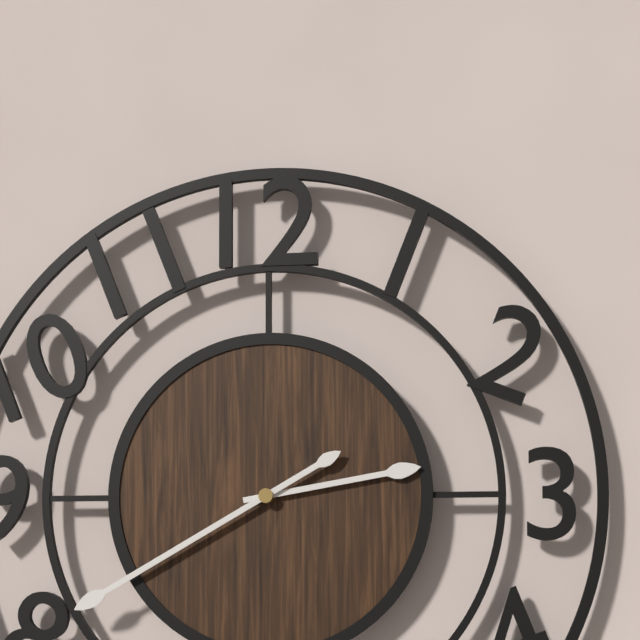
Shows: h=2 m=40
